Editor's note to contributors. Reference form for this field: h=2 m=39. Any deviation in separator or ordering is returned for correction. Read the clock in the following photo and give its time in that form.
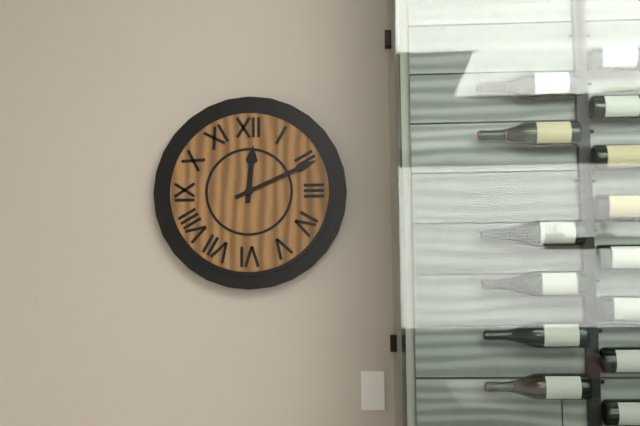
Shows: h=12 m=11
